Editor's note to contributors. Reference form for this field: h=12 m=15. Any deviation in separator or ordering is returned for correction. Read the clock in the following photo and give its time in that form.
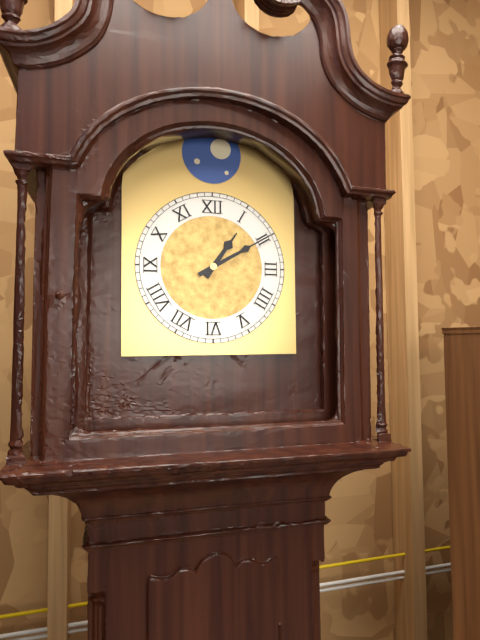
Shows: h=1 m=10
